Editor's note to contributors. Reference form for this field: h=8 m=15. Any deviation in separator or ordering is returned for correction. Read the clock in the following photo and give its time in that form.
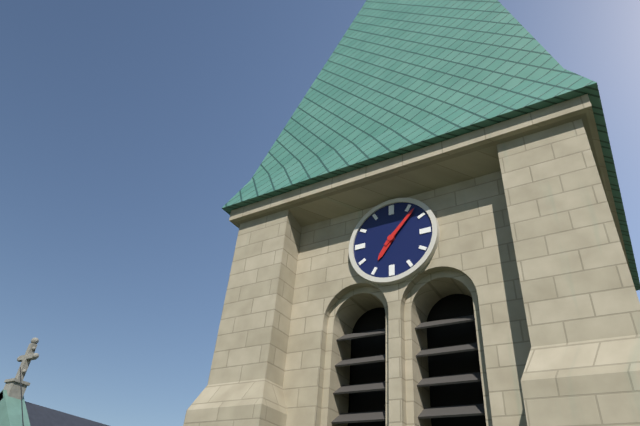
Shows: h=7 m=7
